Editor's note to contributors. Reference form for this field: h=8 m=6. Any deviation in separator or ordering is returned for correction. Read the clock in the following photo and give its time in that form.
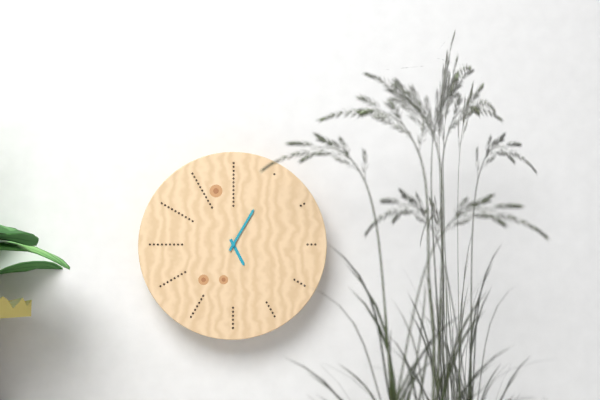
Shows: h=5 m=5
